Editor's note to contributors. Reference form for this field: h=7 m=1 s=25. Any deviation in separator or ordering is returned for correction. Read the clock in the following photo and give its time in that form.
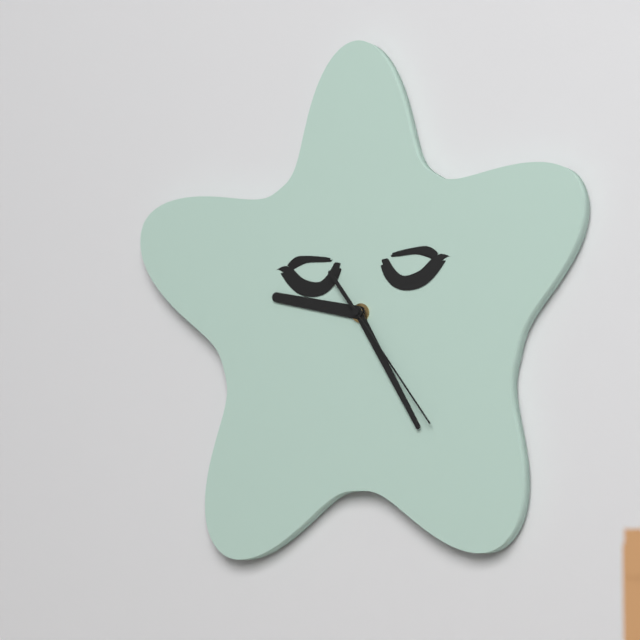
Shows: h=9 m=25 s=24
